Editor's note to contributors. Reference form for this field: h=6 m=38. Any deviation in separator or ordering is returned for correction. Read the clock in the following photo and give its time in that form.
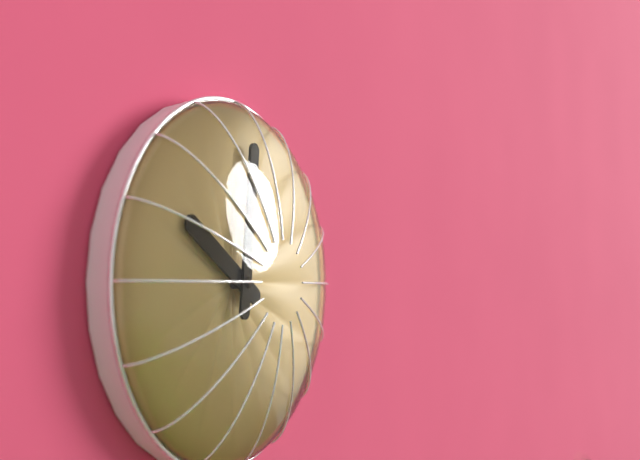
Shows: h=10 m=1
